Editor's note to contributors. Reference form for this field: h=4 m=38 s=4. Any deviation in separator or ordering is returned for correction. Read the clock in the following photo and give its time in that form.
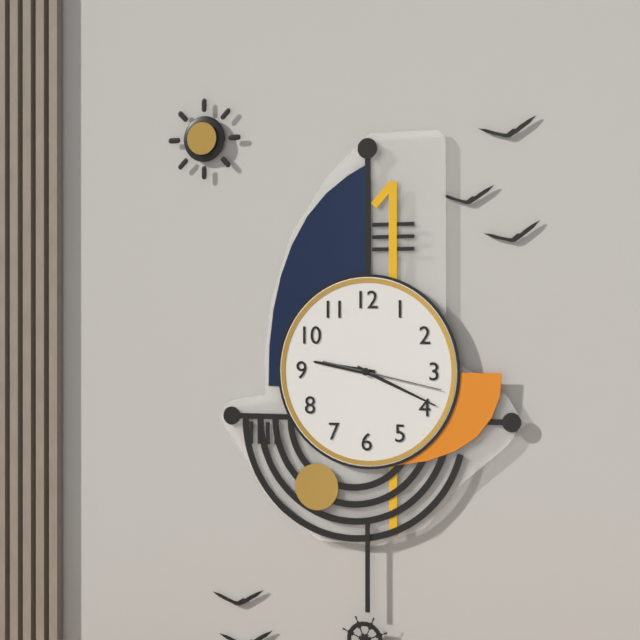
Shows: h=9 m=19 s=17
